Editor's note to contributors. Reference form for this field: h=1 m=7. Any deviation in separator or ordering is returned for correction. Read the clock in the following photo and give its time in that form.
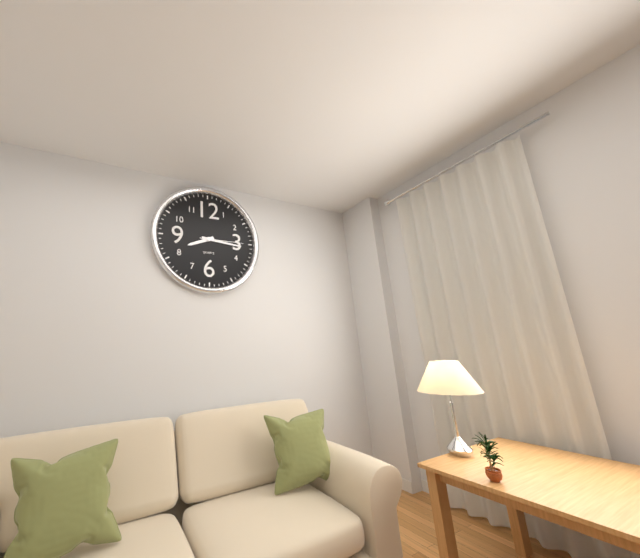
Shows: h=8 m=16
